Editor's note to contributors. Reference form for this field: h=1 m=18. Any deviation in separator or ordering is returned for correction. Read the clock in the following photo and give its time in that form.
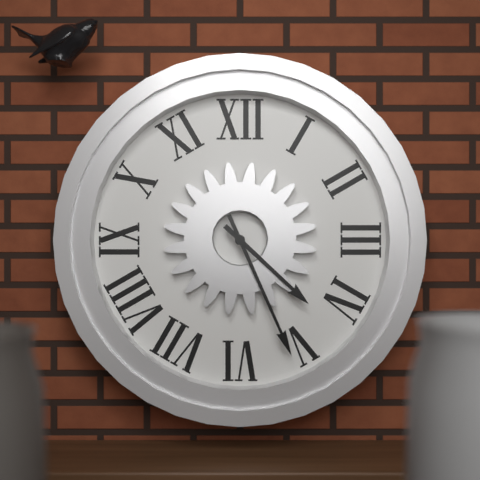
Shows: h=4 m=26
